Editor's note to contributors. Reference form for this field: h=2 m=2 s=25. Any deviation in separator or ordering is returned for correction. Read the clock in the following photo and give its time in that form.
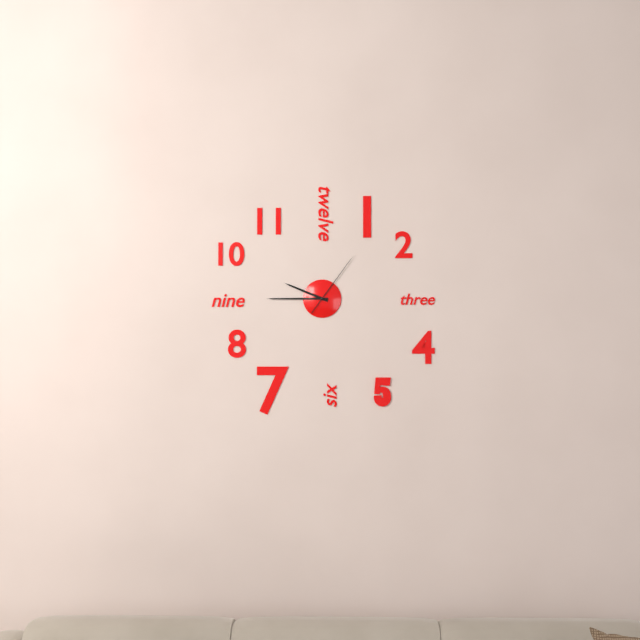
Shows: h=9 m=45 s=6
